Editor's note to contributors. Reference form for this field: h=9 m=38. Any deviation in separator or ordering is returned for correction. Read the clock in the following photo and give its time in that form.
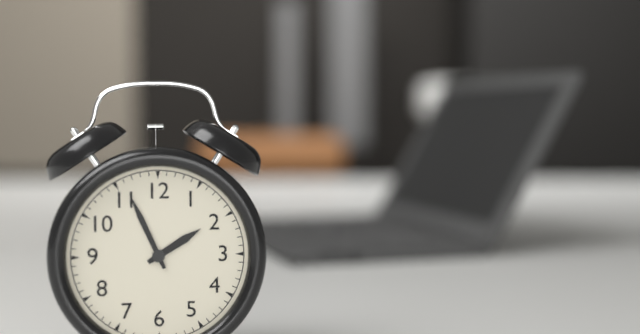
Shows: h=1 m=56
